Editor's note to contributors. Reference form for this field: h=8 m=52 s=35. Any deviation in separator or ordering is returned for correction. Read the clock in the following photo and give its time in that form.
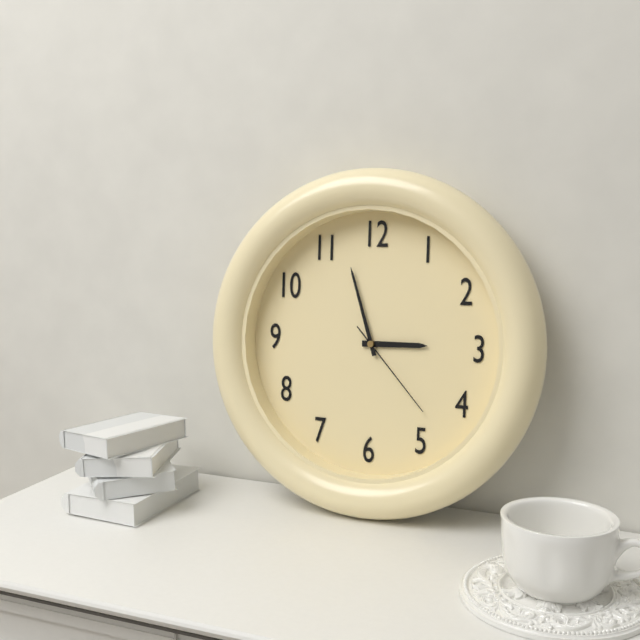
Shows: h=2 m=57 s=23
